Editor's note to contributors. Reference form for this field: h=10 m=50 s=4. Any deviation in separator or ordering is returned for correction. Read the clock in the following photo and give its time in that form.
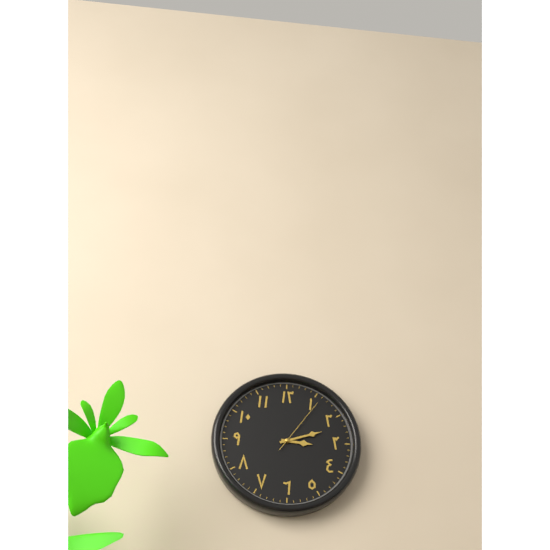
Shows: h=3 m=12 s=6
